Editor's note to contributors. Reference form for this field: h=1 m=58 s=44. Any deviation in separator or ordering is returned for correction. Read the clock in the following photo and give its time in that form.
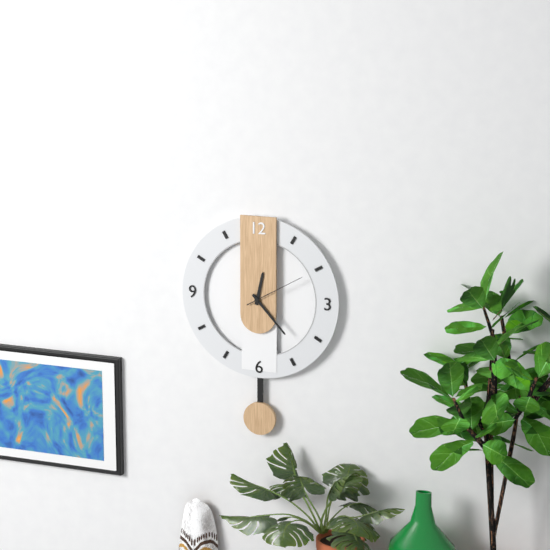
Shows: h=12 m=23 s=10
